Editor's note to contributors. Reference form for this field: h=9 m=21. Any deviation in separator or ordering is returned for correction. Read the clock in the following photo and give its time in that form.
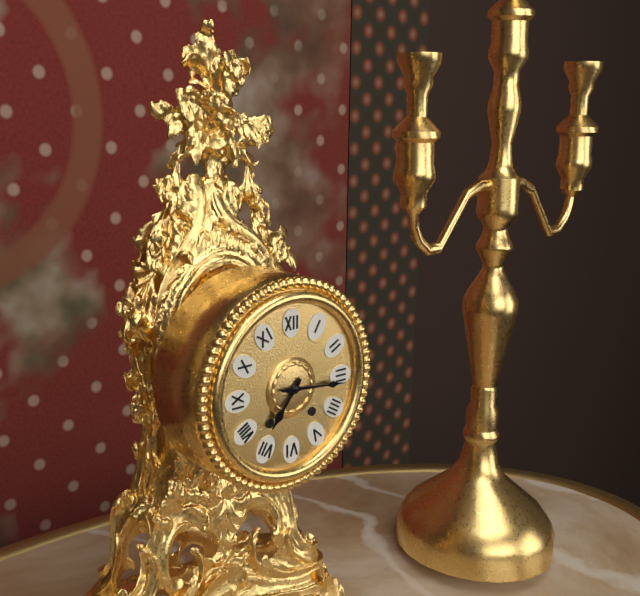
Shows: h=7 m=16
